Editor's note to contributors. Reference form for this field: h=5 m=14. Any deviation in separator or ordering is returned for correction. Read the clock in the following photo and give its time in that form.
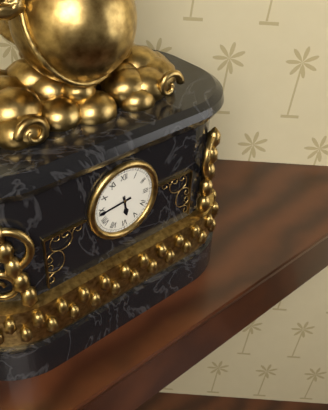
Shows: h=5 m=44
